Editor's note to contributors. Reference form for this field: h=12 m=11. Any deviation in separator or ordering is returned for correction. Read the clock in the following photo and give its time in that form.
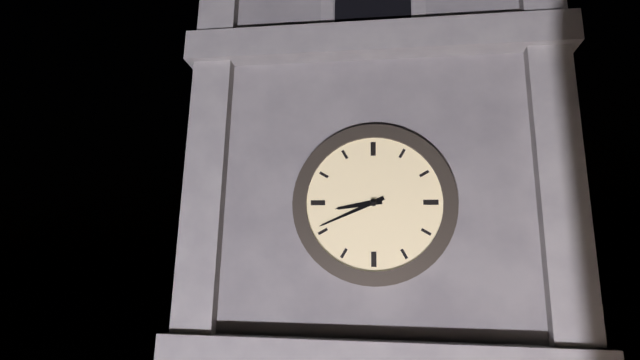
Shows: h=8 m=41
